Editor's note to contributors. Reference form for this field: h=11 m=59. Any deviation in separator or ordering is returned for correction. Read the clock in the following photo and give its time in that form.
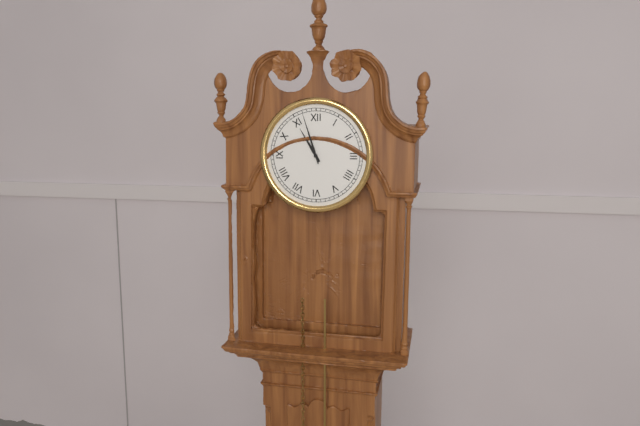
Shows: h=10 m=57
